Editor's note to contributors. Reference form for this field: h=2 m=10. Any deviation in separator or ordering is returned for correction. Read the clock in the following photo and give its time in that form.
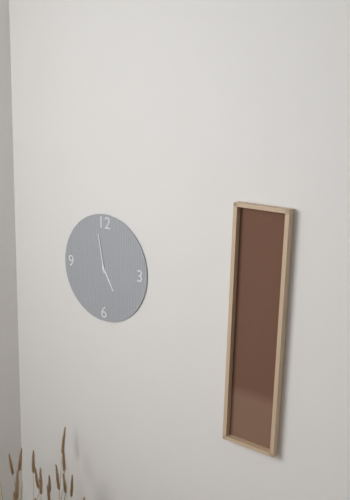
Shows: h=4 m=58
